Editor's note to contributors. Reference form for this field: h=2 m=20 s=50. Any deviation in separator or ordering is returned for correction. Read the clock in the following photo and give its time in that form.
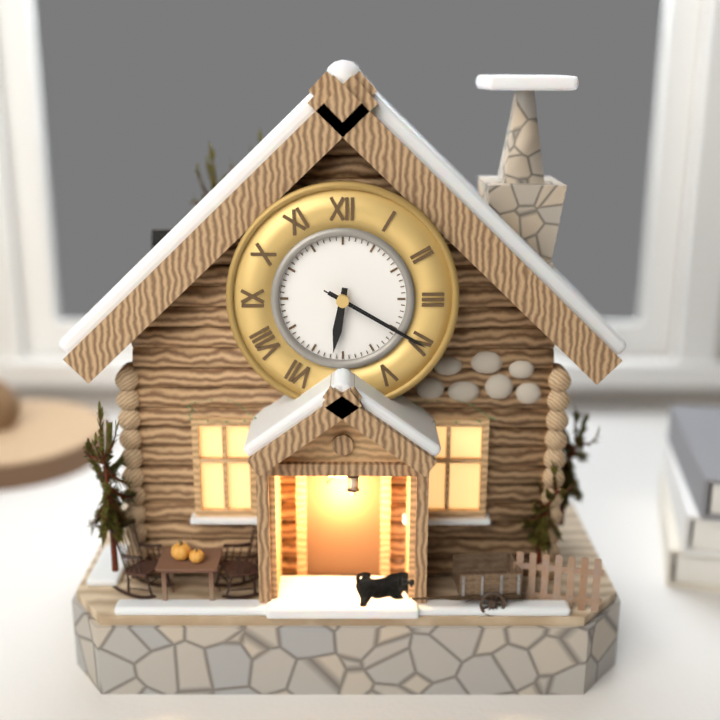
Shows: h=6 m=20 s=20
